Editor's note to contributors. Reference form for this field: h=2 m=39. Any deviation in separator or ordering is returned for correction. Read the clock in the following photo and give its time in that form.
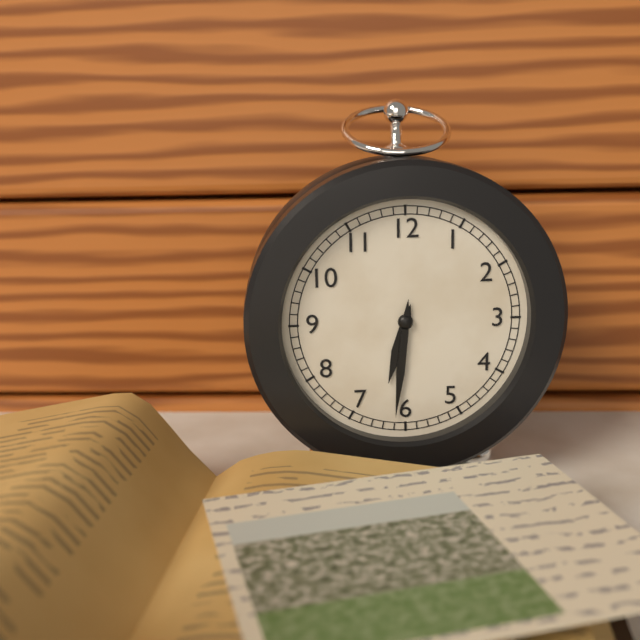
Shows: h=6 m=31
